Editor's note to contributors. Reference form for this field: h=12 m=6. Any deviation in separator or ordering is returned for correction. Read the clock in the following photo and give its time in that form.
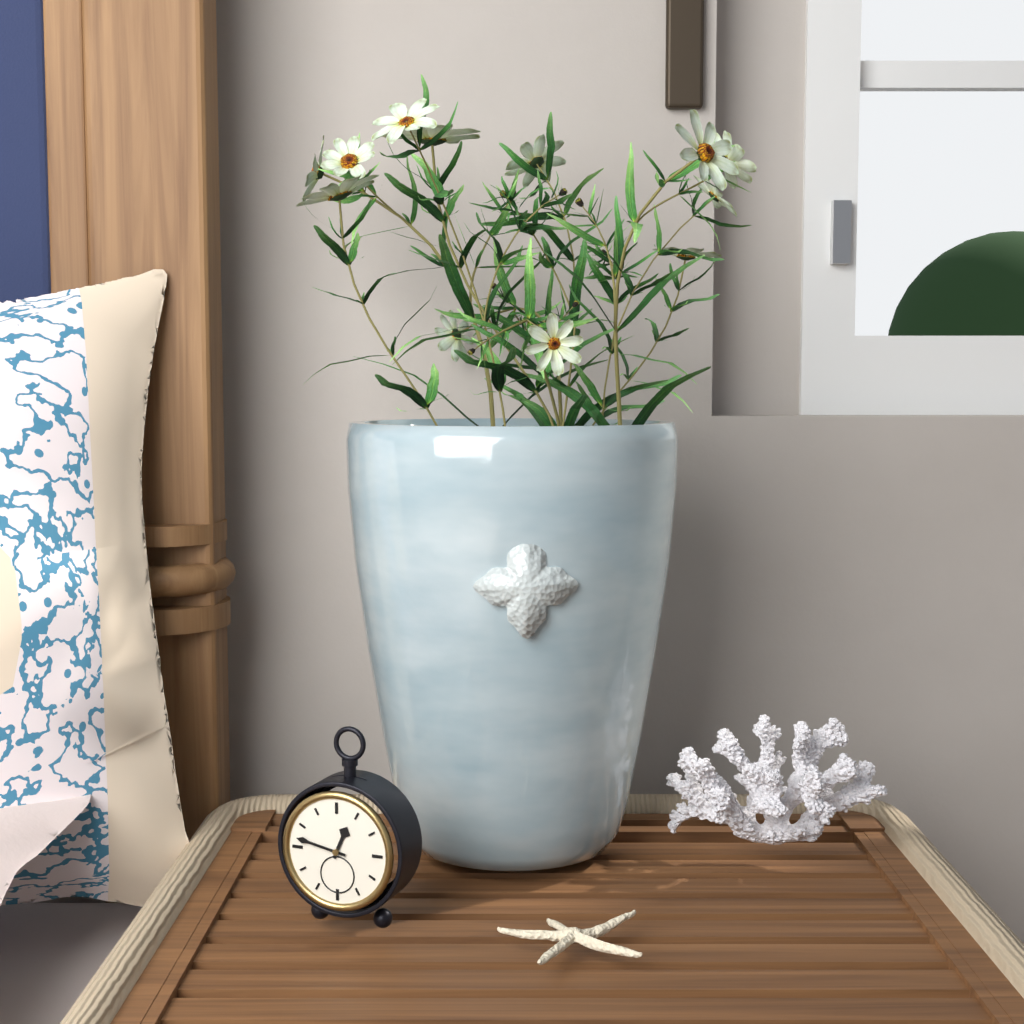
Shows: h=12 m=47
